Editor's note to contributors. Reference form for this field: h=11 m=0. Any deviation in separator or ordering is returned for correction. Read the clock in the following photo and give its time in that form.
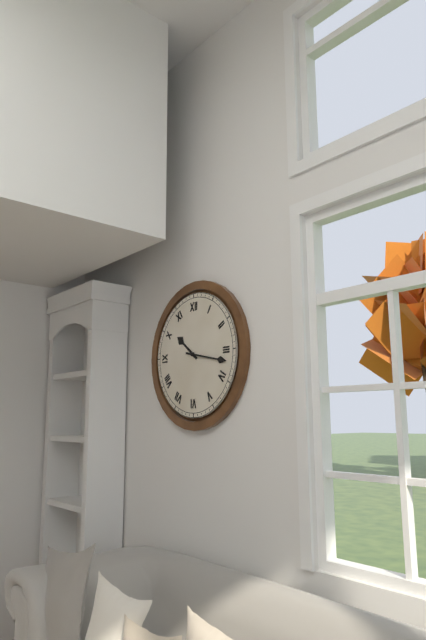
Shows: h=10 m=17
